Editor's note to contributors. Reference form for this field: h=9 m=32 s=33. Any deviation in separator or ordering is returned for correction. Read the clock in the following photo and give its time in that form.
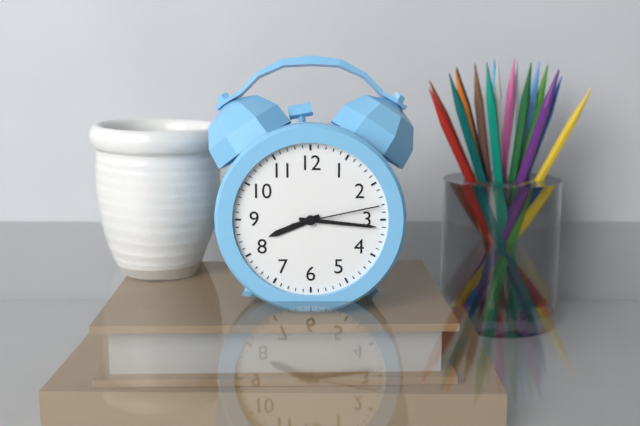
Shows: h=8 m=16 s=13
